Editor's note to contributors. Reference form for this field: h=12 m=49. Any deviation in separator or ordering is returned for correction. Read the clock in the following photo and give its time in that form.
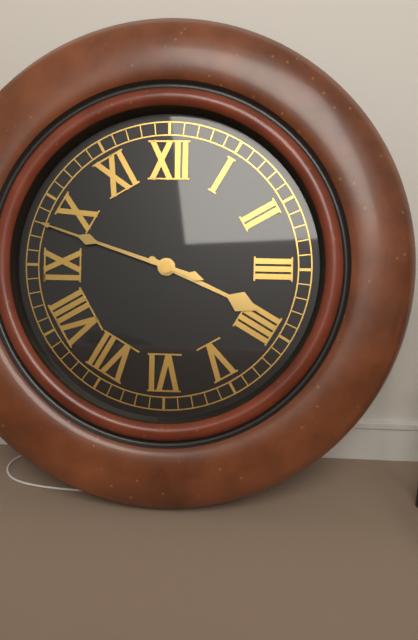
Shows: h=3 m=48
